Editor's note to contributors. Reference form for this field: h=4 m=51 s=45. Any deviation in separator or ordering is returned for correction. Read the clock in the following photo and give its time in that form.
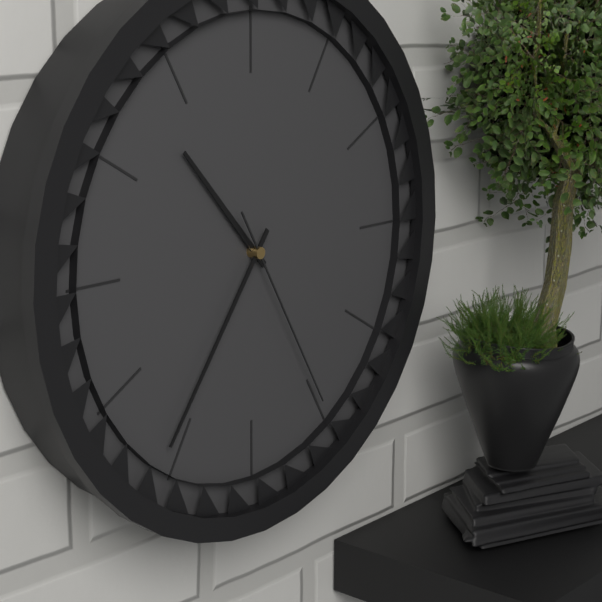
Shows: h=10 m=36 s=25
